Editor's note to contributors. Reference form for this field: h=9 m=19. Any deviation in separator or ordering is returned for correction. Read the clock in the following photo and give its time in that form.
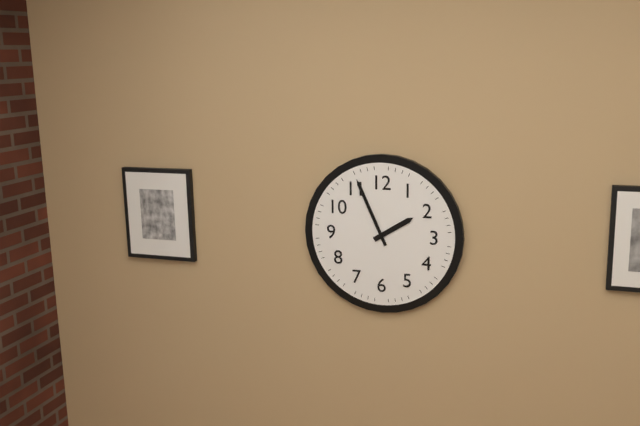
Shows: h=1 m=56
